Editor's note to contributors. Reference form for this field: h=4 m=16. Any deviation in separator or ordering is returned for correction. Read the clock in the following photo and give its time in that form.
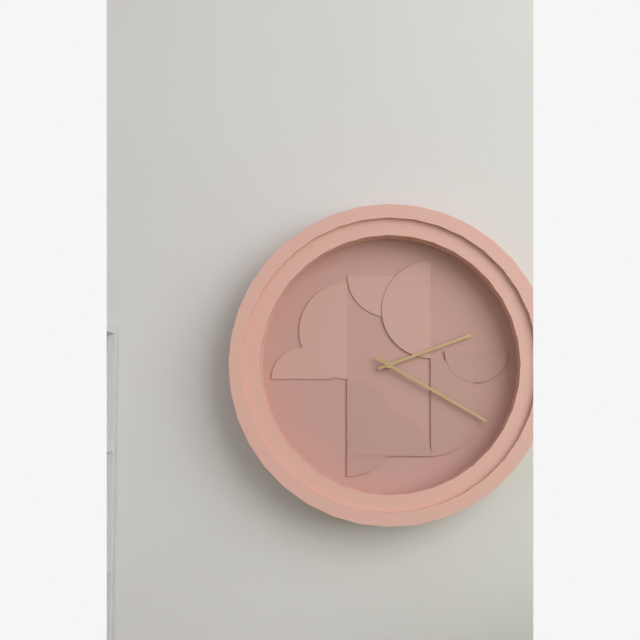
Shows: h=2 m=20
